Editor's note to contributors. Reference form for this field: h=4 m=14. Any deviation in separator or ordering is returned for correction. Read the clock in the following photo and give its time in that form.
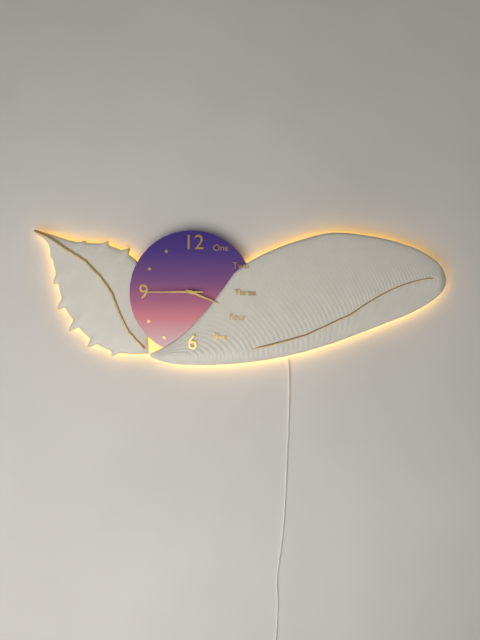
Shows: h=3 m=45
